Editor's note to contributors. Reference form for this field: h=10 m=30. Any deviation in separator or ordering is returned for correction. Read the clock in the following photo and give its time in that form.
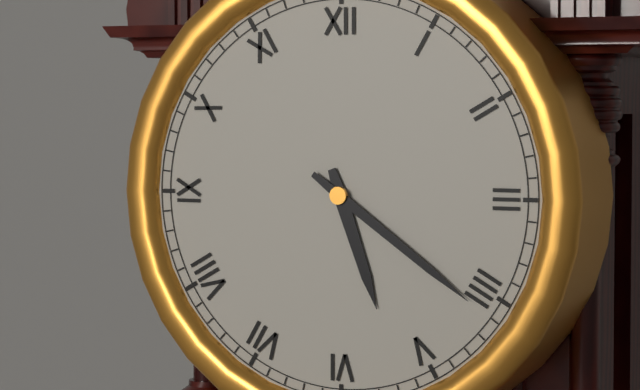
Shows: h=5 m=21
